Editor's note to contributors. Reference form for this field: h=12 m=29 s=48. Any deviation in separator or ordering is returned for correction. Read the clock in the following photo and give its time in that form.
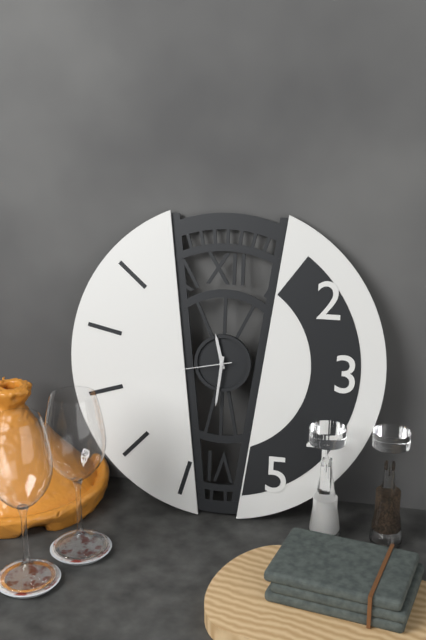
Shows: h=11 m=31 s=43
